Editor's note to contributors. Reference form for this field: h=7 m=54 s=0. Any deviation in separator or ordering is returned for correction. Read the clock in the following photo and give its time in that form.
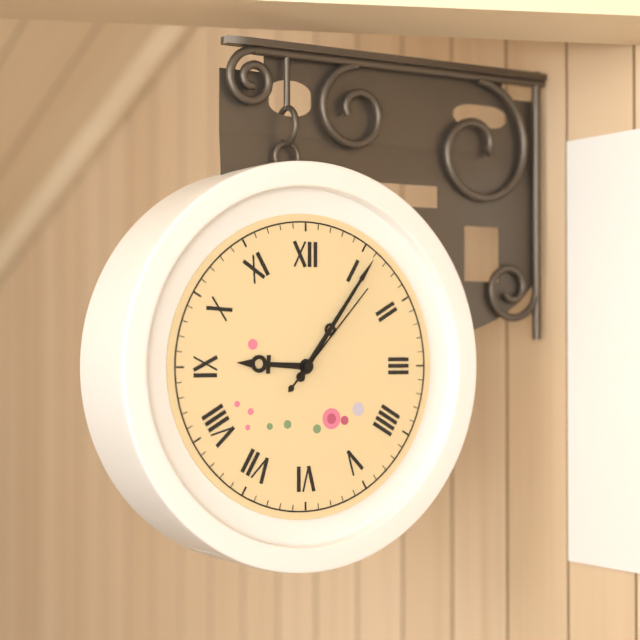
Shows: h=9 m=6 s=7
